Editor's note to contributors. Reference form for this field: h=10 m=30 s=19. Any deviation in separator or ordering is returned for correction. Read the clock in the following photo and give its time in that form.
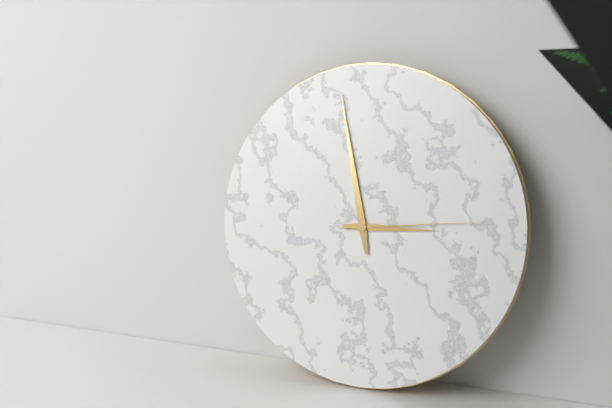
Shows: h=2 m=58 s=14
